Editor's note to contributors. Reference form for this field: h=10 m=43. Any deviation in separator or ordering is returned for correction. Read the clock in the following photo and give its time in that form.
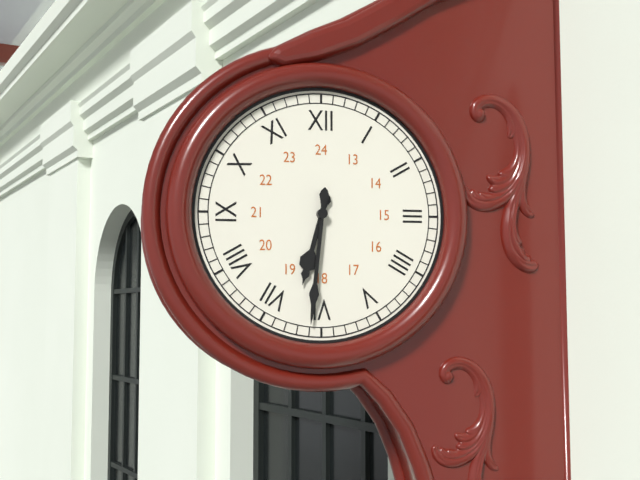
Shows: h=6 m=31
